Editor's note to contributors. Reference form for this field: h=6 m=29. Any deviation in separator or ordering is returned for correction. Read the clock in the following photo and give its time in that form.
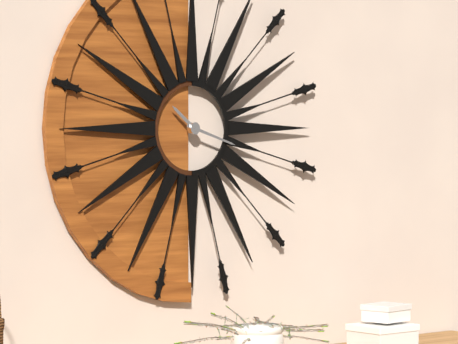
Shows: h=10 m=18
